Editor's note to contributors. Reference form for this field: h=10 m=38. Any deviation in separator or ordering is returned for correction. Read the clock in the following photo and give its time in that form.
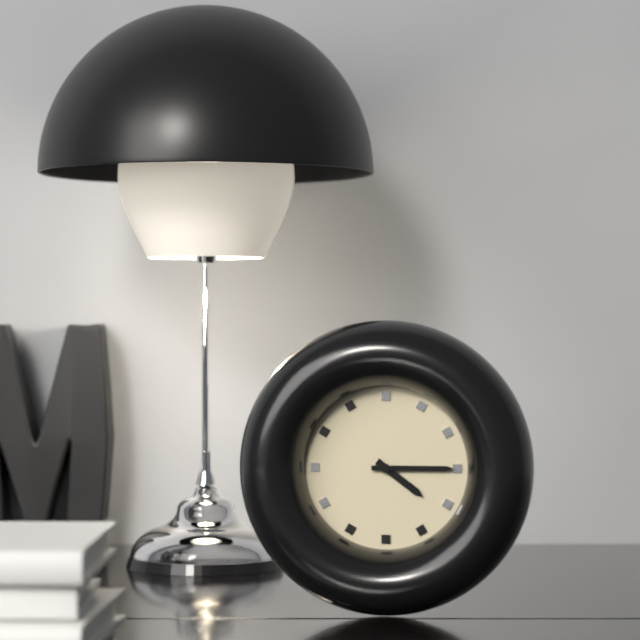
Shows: h=4 m=15
